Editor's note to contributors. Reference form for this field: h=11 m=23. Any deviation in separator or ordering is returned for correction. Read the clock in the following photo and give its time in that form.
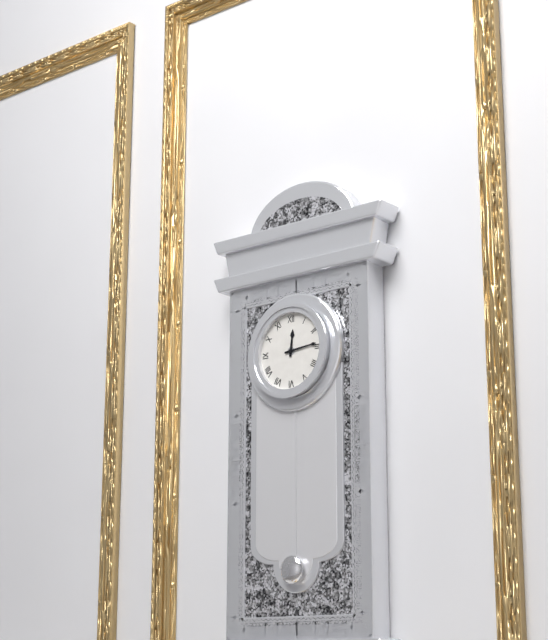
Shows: h=12 m=14
